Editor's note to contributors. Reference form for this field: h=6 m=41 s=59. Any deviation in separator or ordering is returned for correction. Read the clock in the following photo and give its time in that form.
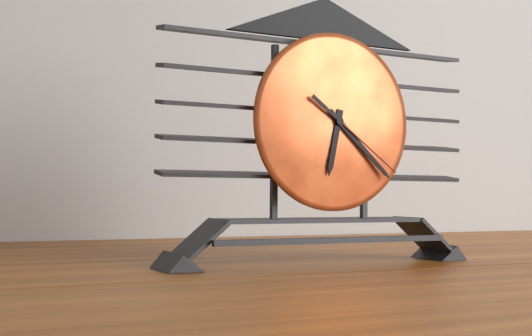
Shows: h=6 m=22 s=21
